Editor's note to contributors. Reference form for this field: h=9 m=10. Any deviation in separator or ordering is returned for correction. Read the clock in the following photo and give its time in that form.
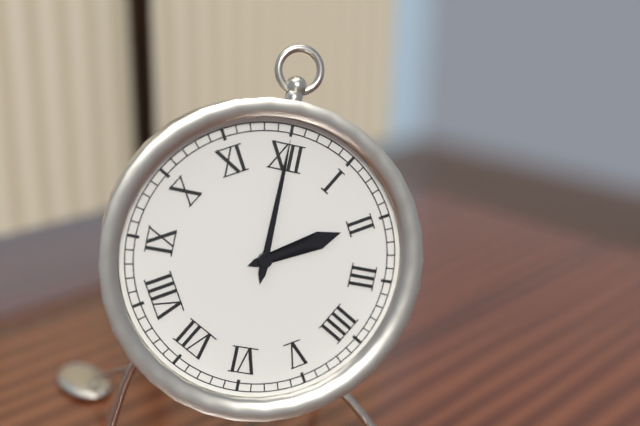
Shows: h=2 m=0
